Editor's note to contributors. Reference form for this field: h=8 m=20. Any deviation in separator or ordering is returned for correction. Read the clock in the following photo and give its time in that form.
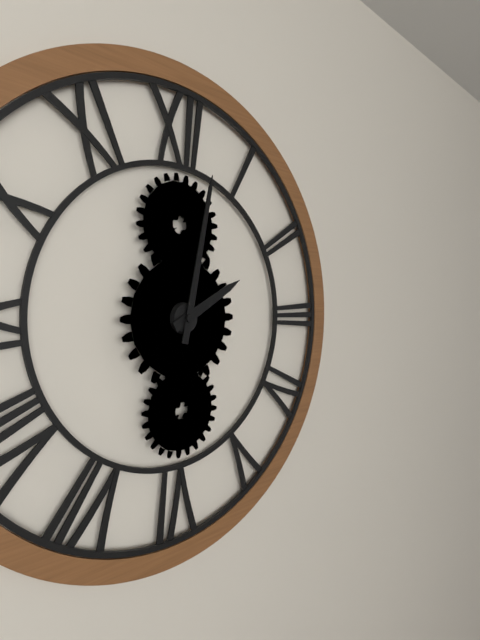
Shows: h=2 m=2
